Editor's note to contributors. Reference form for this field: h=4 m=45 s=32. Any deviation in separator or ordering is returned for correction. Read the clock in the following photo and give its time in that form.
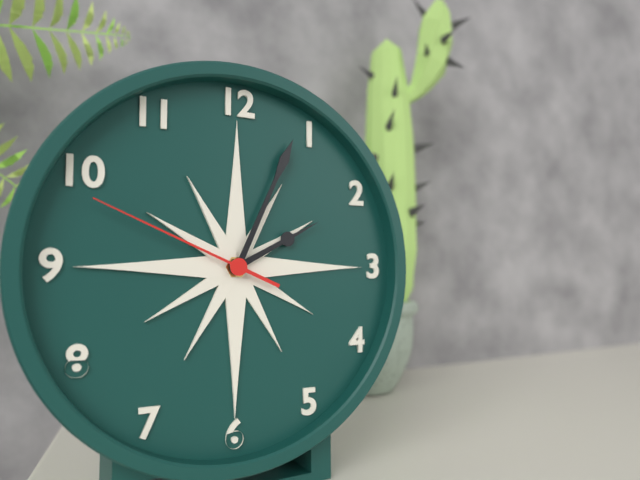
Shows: h=2 m=4 s=49
